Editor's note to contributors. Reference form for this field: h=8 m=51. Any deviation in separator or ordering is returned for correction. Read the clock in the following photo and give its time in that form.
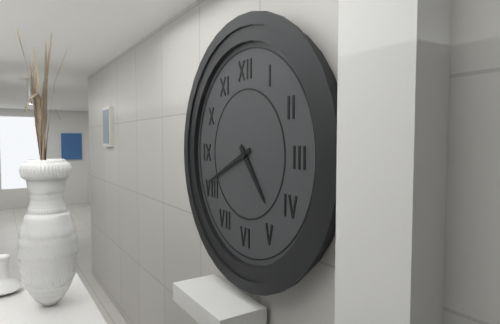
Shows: h=4 m=41
